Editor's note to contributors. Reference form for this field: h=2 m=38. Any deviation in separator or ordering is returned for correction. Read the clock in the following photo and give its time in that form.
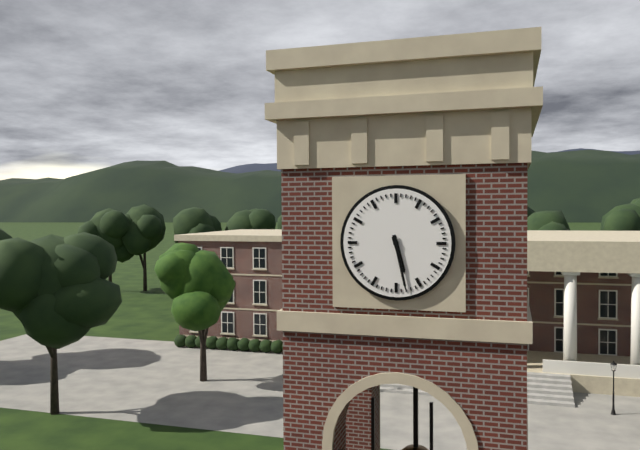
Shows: h=5 m=28
